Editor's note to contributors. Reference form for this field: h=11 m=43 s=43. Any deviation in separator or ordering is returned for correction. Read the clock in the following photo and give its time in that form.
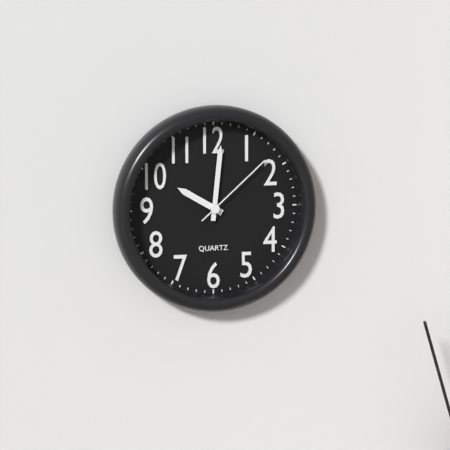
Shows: h=10 m=1 s=8
